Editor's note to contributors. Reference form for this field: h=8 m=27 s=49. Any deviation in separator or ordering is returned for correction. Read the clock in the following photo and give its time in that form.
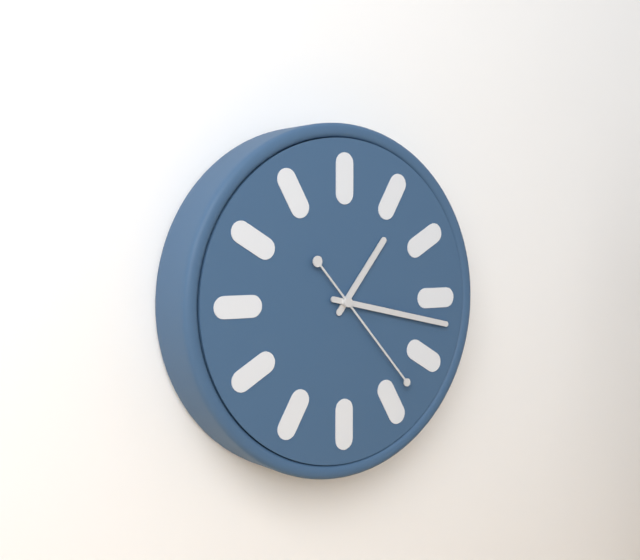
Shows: h=1 m=17 s=23
